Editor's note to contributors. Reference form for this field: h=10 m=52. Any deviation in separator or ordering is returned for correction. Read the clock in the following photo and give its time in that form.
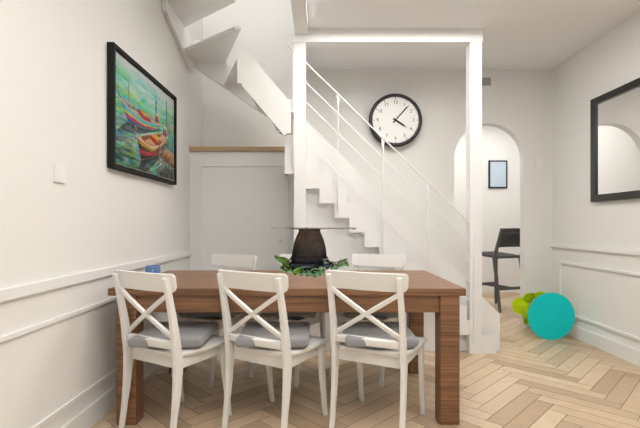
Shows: h=4 m=7
